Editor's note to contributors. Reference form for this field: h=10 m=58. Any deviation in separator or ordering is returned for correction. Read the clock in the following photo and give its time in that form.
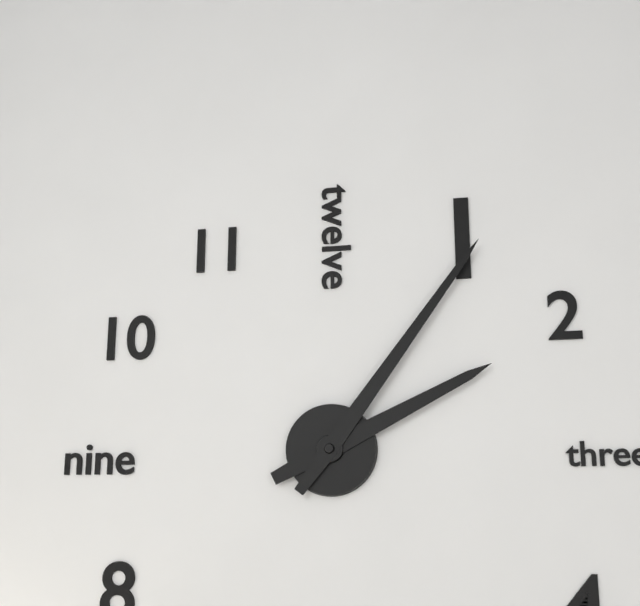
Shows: h=2 m=6
